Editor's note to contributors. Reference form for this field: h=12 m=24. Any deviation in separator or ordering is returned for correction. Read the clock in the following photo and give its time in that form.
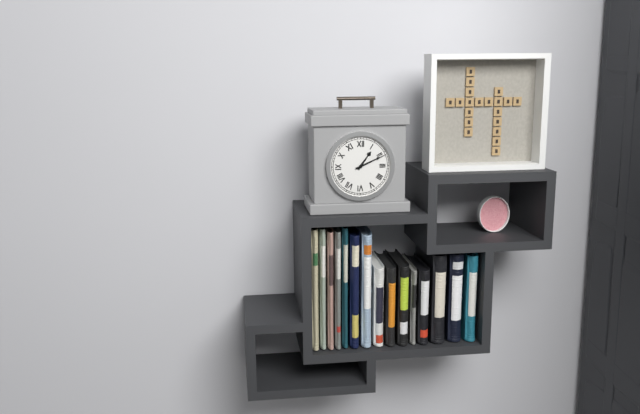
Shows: h=1 m=11
